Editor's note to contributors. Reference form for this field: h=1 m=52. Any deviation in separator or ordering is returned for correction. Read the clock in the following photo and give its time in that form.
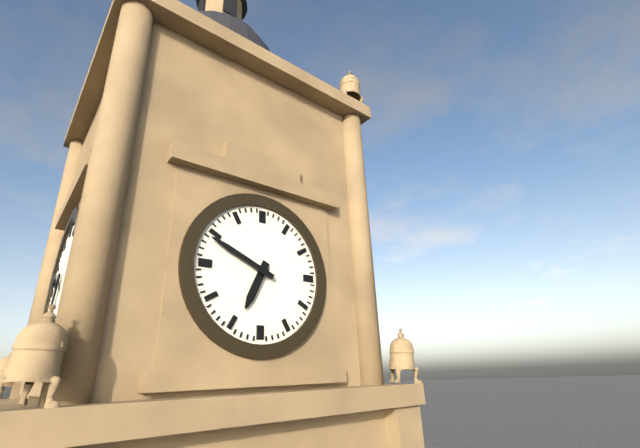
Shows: h=6 m=49
